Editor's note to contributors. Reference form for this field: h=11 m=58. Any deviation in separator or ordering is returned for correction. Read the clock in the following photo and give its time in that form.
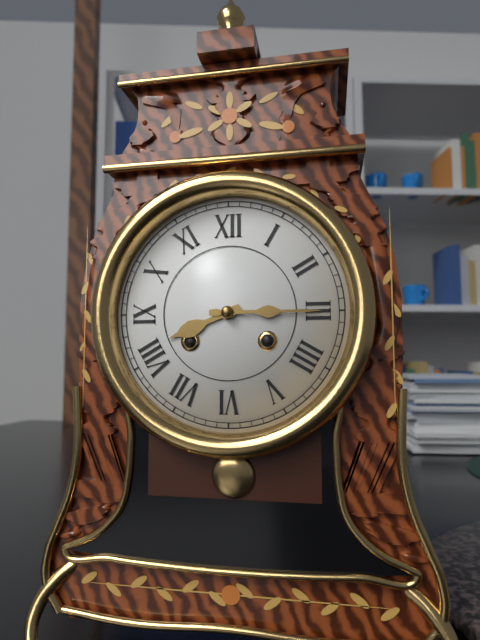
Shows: h=8 m=15
